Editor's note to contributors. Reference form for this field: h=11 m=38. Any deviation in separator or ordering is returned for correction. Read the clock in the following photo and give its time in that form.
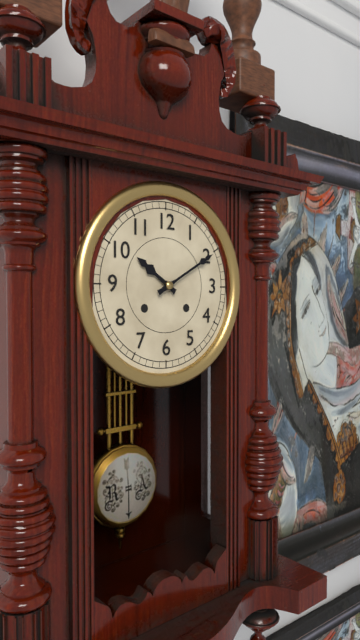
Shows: h=10 m=10
